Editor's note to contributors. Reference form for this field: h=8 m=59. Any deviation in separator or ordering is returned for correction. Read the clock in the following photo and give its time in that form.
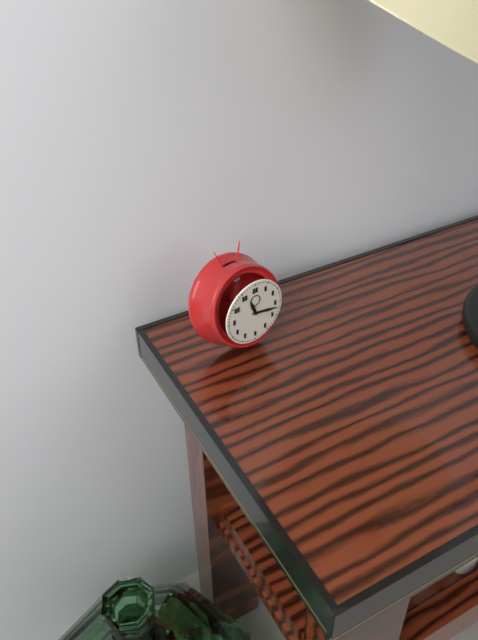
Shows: h=11 m=17
